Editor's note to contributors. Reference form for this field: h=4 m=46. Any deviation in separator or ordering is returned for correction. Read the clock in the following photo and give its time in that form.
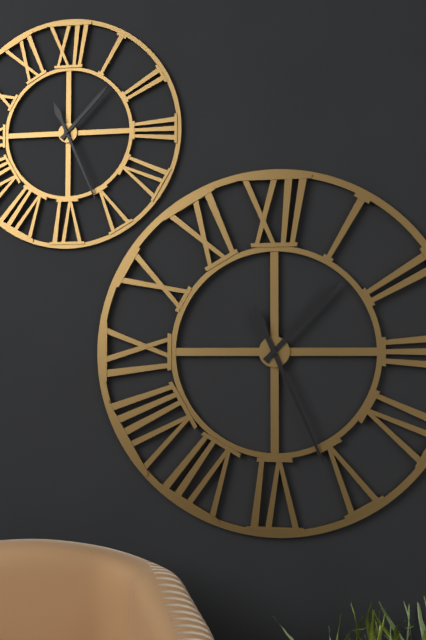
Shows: h=1 m=26
